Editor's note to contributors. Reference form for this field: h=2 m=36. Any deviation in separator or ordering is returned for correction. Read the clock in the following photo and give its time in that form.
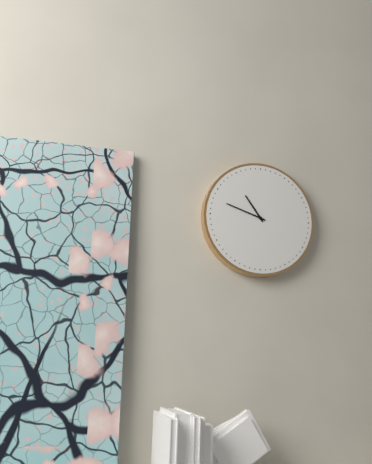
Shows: h=10 m=48
